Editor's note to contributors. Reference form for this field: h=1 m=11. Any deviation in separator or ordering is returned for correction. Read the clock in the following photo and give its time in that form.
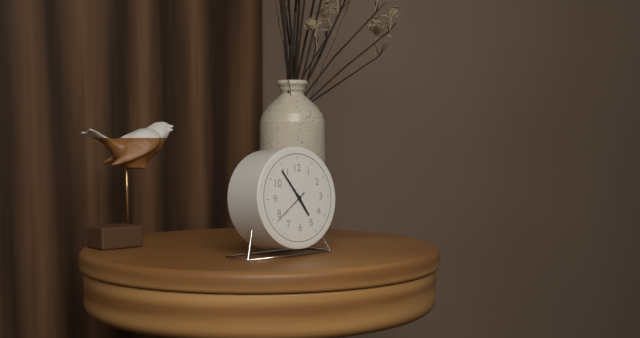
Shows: h=4 m=54
